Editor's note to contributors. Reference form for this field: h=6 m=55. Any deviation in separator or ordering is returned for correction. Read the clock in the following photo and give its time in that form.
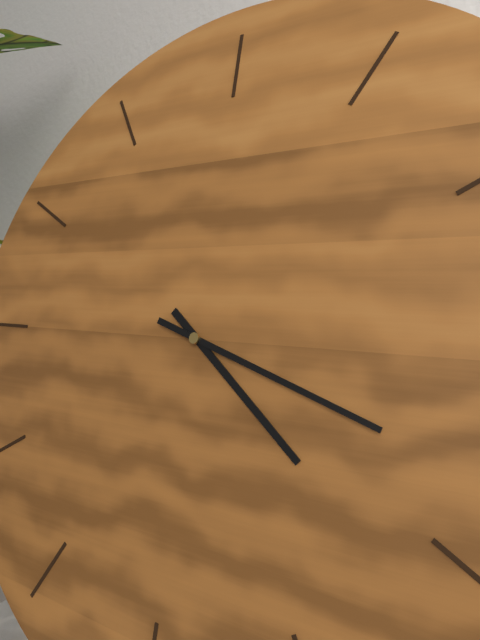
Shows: h=4 m=18
